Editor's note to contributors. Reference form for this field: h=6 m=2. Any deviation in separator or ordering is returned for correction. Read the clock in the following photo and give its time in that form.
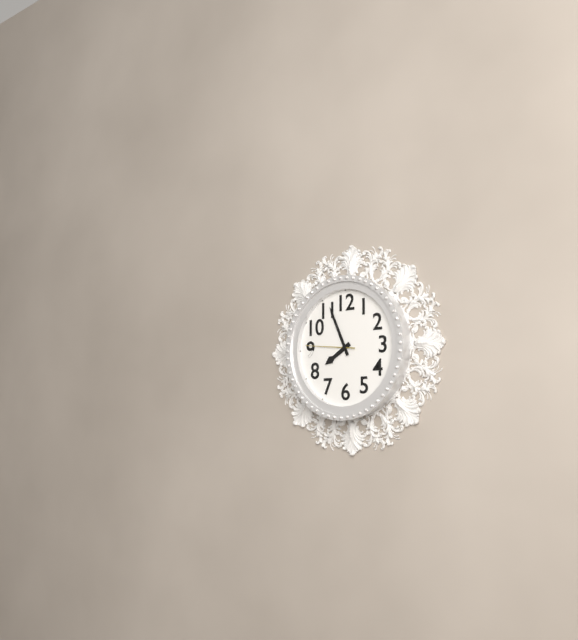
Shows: h=7 m=56
